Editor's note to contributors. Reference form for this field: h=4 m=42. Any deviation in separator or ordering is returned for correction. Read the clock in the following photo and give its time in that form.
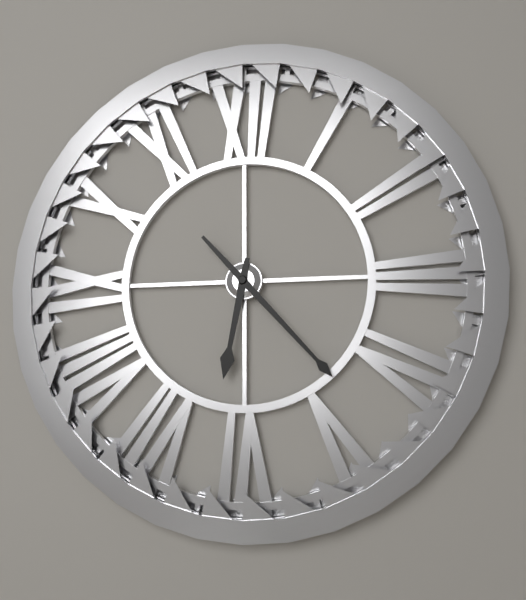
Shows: h=6 m=23
